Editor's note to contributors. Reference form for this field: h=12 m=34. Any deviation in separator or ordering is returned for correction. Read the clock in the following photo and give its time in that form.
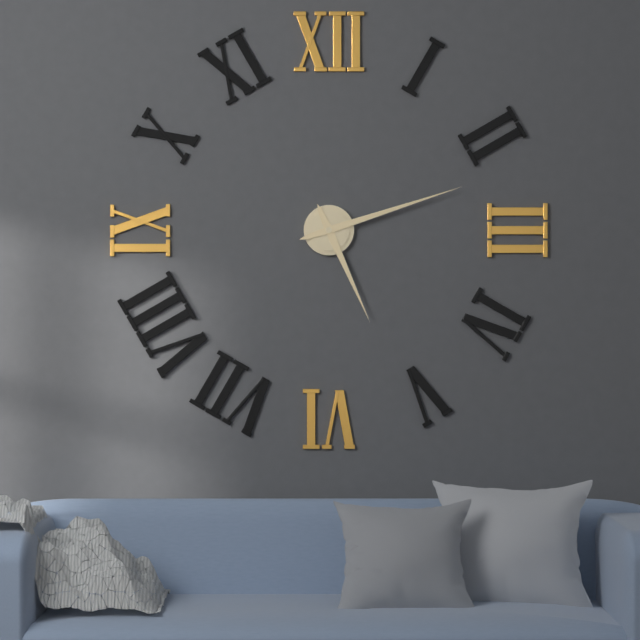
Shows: h=5 m=12
